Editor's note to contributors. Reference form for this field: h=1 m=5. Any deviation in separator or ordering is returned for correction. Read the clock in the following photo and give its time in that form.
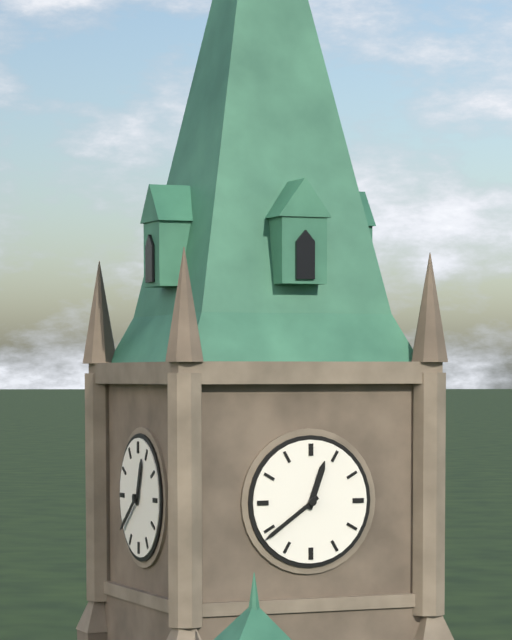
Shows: h=12 m=39
